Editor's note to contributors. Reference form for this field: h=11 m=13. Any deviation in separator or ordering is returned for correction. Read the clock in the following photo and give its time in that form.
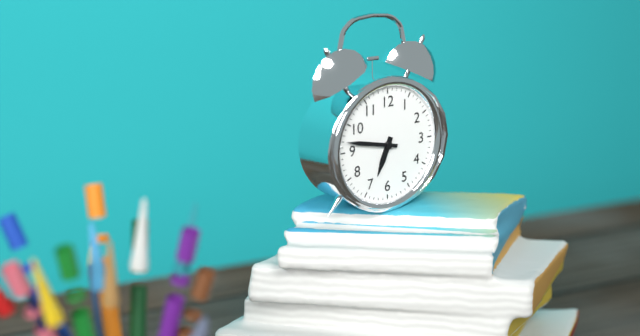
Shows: h=6 m=47
